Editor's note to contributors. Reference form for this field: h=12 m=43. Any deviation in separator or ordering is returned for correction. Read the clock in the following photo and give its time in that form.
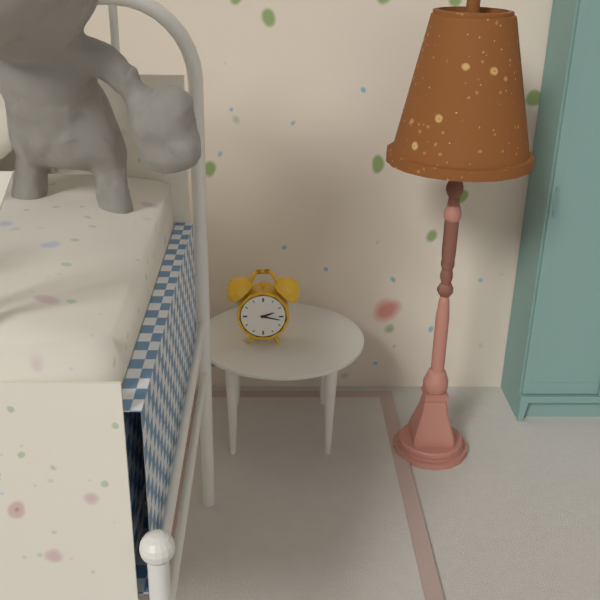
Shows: h=2 m=17
